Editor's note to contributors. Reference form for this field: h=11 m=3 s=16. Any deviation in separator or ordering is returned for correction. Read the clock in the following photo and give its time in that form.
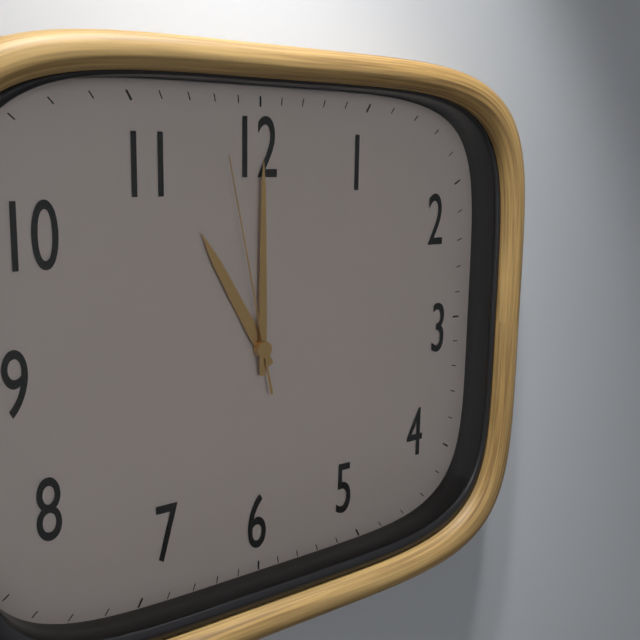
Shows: h=11 m=0 s=58
